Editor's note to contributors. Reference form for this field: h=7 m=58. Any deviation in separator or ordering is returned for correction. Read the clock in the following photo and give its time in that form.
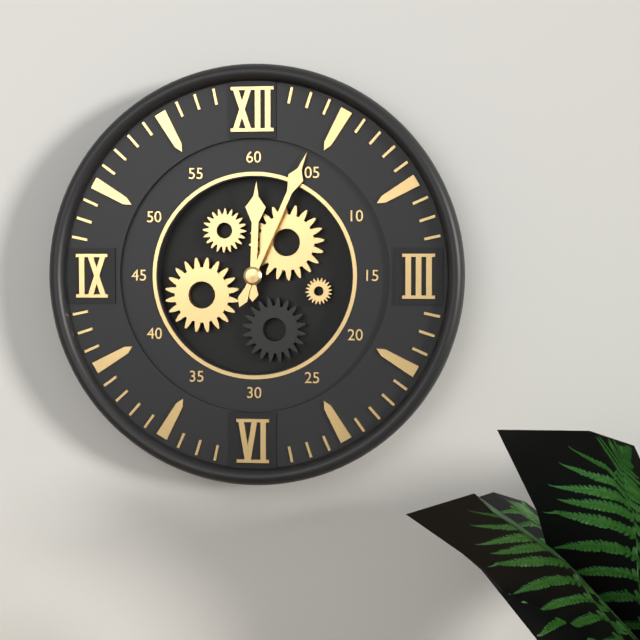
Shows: h=12 m=4
